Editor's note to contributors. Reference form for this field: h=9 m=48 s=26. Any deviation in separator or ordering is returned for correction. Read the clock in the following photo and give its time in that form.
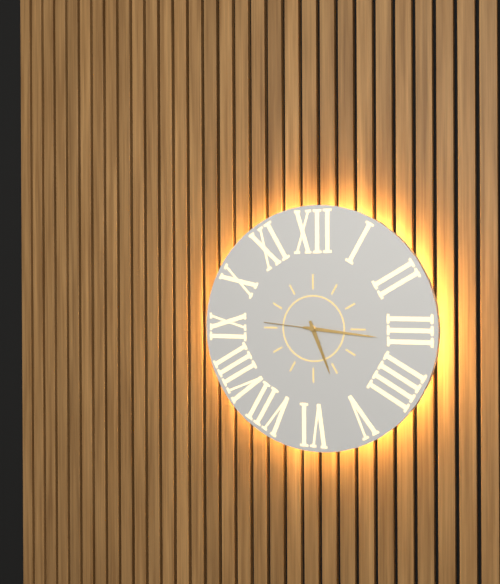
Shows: h=5 m=16 s=46
